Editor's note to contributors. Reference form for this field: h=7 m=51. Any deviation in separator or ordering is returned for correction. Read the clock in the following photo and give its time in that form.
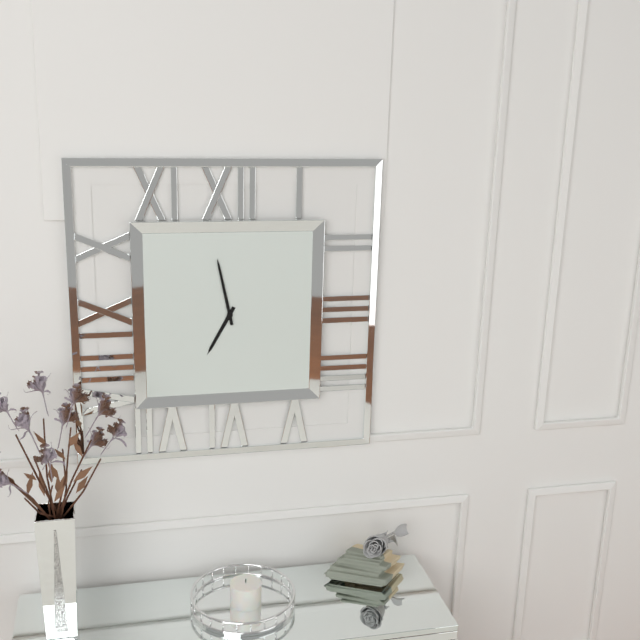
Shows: h=6 m=58
